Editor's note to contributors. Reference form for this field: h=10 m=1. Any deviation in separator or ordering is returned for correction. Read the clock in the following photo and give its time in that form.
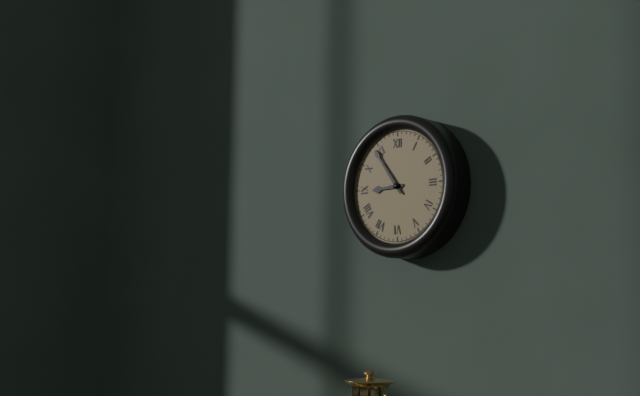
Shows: h=8 m=54
